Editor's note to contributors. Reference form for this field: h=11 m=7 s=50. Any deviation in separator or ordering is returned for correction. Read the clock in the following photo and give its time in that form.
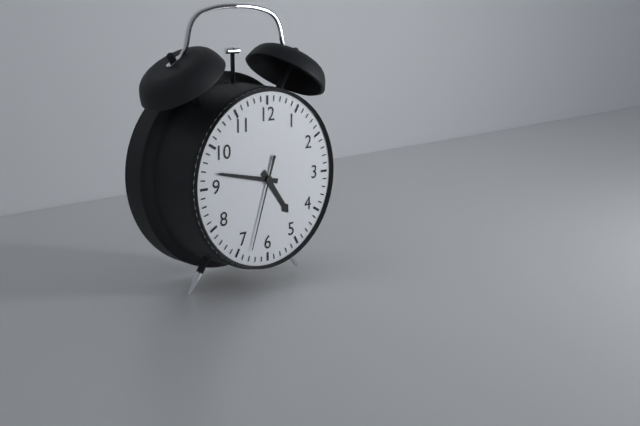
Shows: h=4 m=47 s=33
